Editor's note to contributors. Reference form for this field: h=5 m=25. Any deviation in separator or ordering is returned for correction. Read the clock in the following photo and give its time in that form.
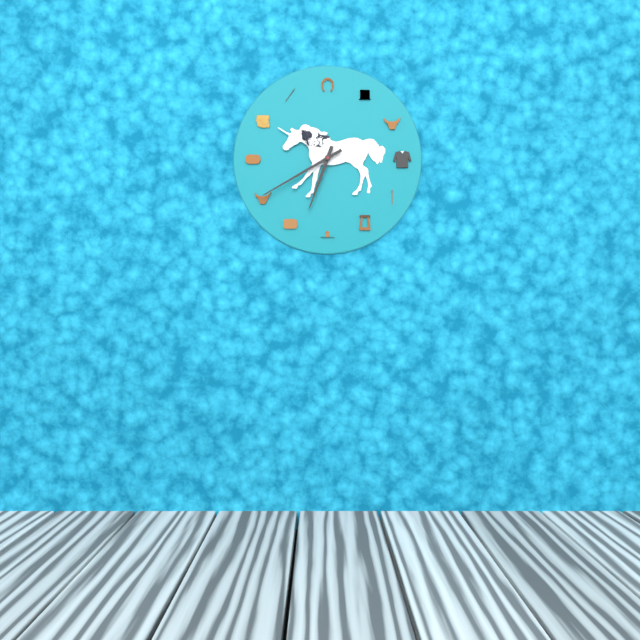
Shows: h=6 m=40
